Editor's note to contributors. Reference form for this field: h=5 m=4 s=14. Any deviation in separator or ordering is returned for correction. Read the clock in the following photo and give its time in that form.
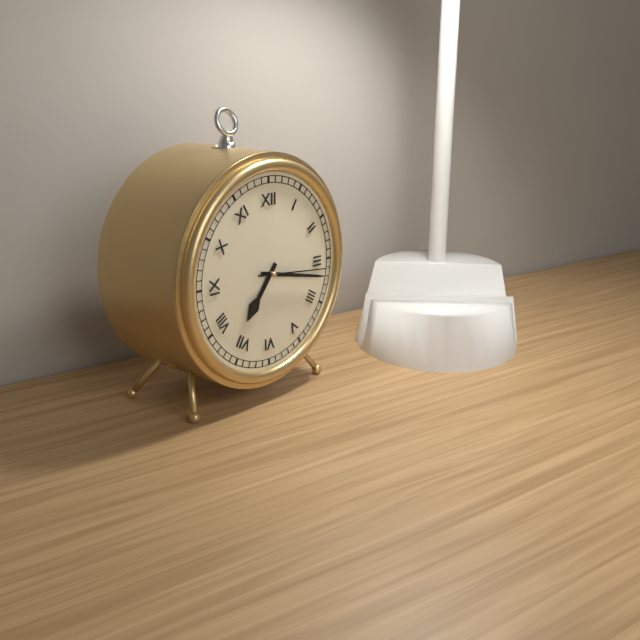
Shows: h=7 m=17 s=16
